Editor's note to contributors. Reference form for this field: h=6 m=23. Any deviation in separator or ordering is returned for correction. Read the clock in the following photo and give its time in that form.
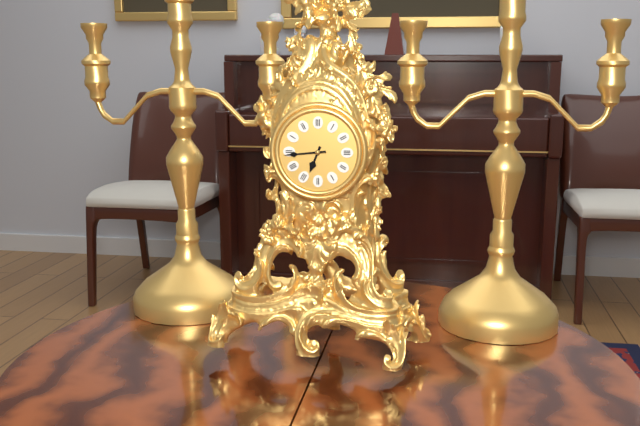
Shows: h=6 m=44
